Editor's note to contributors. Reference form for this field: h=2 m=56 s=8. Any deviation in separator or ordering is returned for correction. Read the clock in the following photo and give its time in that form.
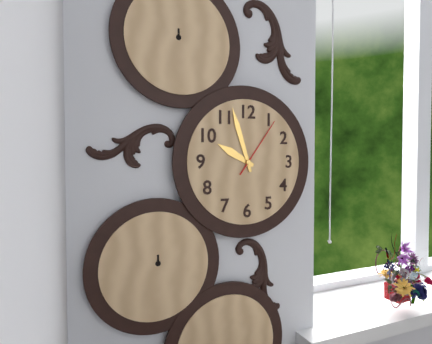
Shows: h=9 m=57 s=6
